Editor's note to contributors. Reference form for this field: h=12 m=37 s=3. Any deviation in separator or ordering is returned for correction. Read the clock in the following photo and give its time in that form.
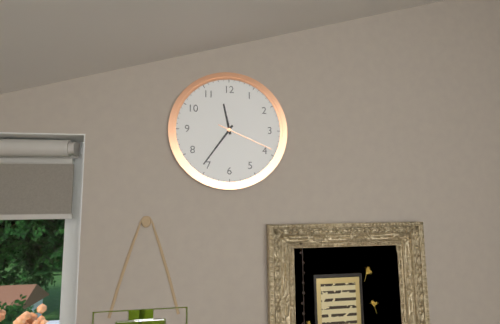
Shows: h=11 m=36 s=19
